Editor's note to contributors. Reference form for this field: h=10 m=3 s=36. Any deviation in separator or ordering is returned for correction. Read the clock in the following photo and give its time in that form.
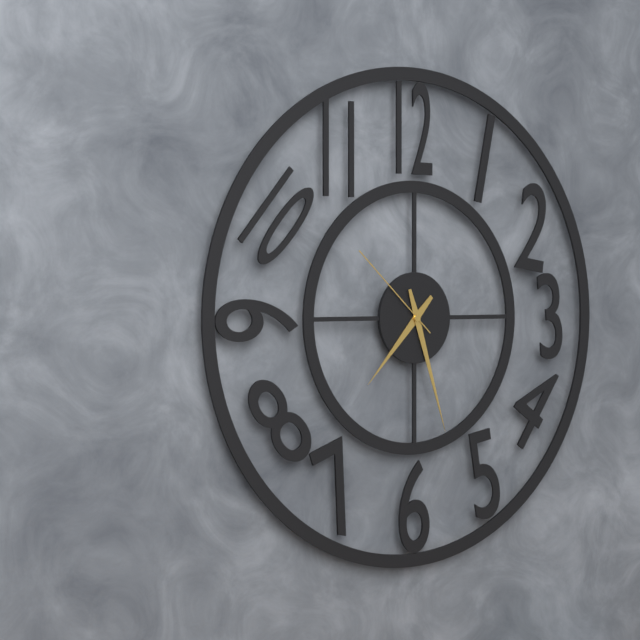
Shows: h=7 m=27 s=52
